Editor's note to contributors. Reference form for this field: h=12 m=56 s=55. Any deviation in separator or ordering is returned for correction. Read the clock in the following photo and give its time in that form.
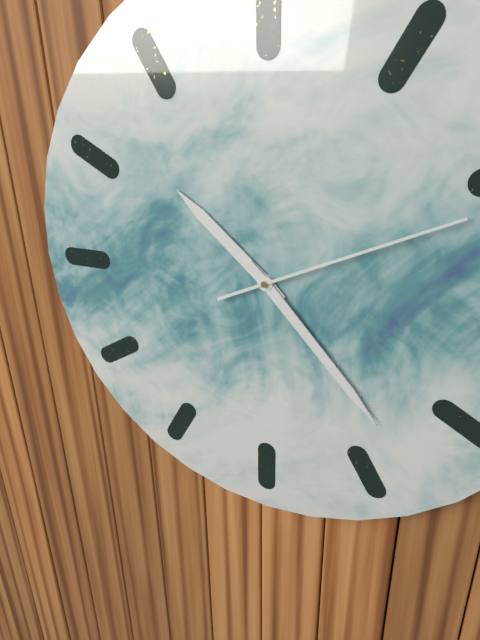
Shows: h=10 m=23 s=11
